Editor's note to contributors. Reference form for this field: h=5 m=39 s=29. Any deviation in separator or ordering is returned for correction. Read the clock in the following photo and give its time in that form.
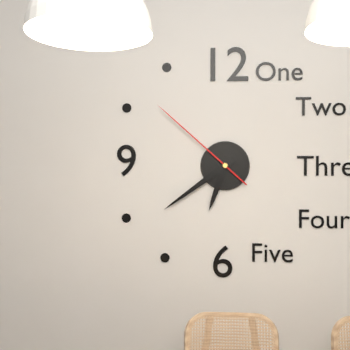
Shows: h=6 m=39 s=52
